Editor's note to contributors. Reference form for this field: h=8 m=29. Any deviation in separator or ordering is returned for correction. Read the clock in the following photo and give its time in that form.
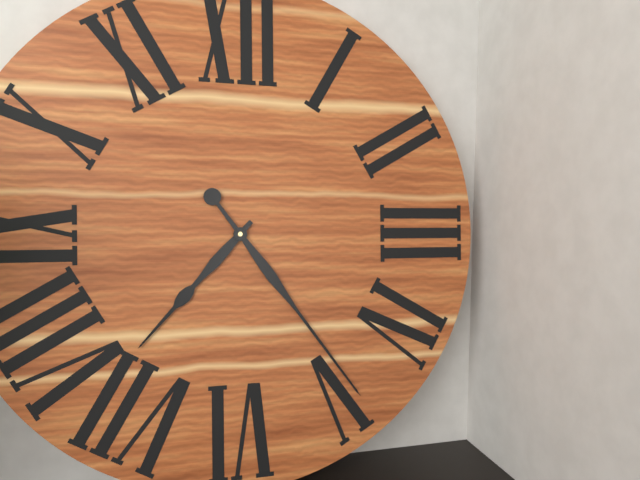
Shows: h=7 m=24
